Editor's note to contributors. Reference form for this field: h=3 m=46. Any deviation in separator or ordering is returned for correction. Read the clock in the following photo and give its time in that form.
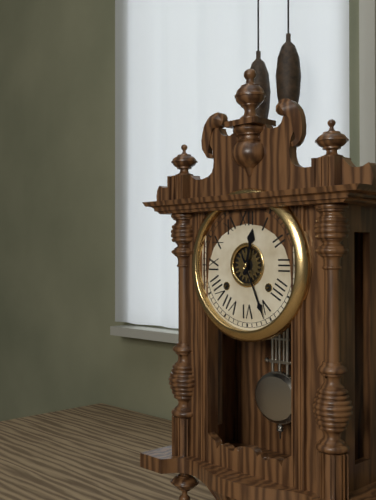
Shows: h=12 m=26
